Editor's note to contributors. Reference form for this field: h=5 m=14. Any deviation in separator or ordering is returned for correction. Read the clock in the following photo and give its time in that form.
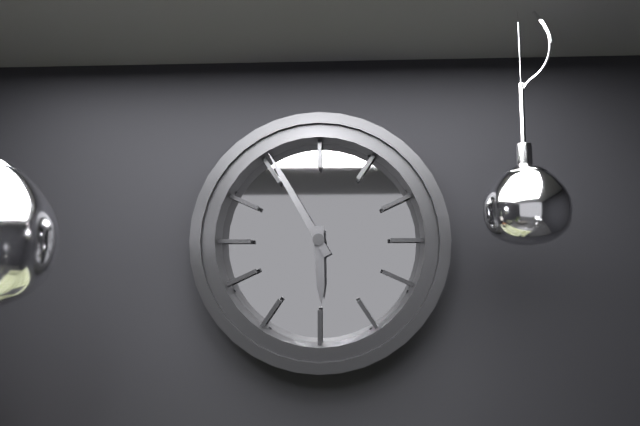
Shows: h=5 m=55
